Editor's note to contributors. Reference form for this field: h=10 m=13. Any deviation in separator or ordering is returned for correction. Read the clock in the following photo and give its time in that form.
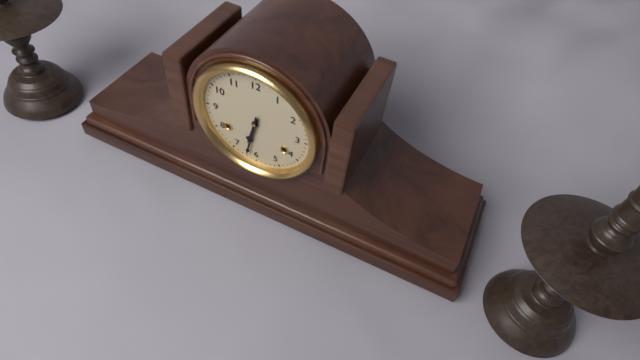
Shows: h=6 m=32
